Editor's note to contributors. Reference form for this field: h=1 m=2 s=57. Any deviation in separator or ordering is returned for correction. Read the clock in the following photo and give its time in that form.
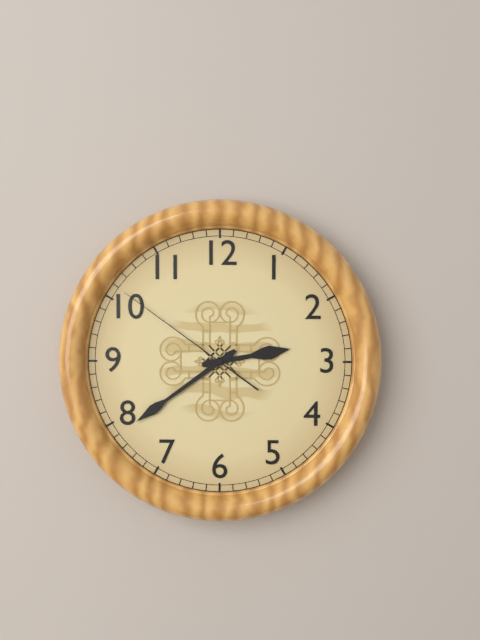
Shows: h=2 m=39 s=51
